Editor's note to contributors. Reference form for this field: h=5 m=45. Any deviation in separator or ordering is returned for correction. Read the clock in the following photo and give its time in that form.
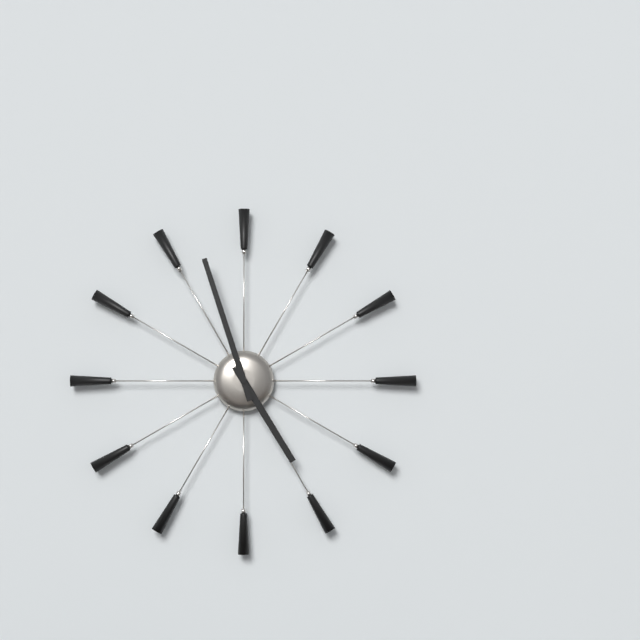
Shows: h=4 m=57
